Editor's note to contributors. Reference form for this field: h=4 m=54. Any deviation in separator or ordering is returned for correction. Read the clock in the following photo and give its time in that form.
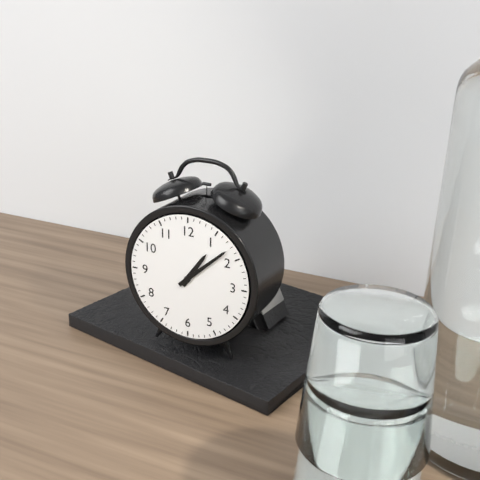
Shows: h=1 m=8
